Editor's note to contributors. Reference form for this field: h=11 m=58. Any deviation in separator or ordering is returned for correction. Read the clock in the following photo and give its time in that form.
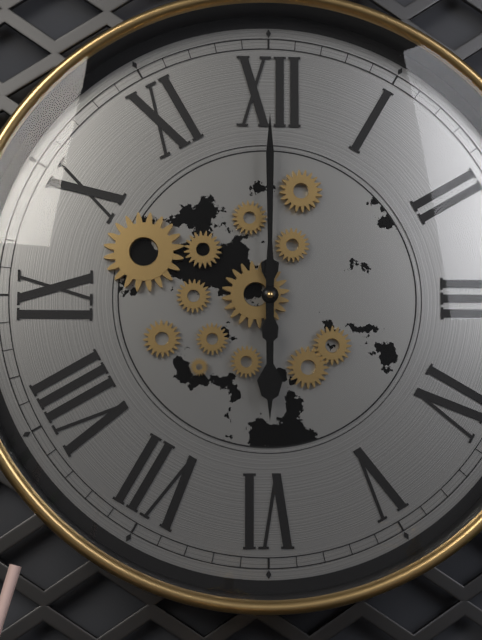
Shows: h=6 m=0
